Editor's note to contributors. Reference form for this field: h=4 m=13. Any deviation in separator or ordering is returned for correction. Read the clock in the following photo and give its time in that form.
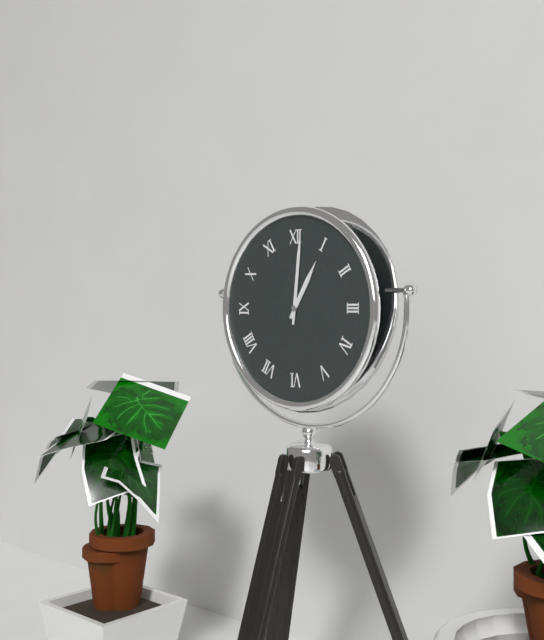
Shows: h=1 m=1
